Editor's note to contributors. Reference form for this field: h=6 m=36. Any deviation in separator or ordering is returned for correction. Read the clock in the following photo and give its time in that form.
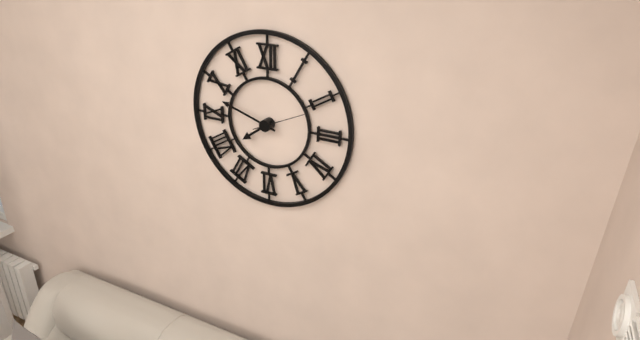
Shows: h=7 m=48
